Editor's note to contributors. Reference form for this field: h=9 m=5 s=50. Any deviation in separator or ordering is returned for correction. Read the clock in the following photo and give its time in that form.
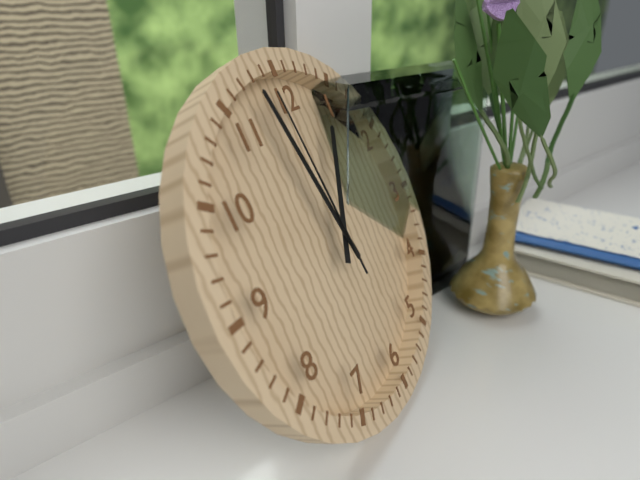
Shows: h=12 m=58 s=59
